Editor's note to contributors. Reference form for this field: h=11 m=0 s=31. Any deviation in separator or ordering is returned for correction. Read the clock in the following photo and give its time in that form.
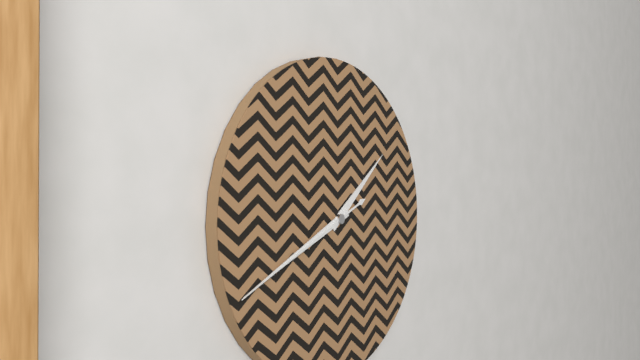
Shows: h=1 m=41 s=41
